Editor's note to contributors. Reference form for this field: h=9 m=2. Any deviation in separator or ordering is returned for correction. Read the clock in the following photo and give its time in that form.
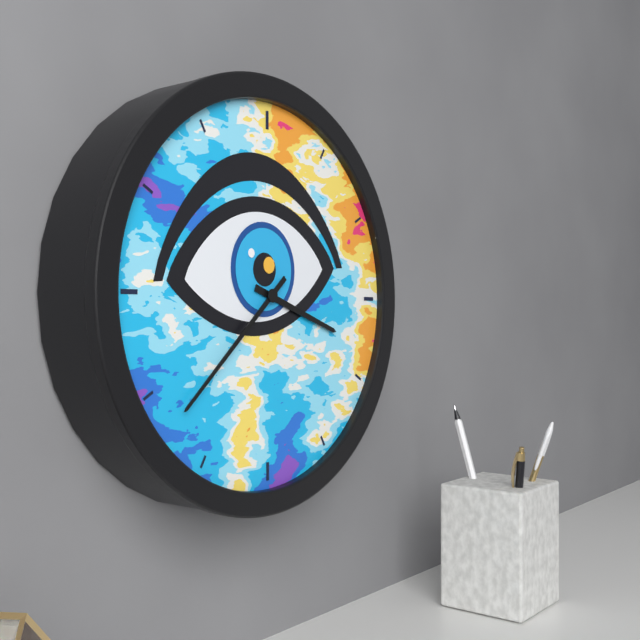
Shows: h=3 m=38
